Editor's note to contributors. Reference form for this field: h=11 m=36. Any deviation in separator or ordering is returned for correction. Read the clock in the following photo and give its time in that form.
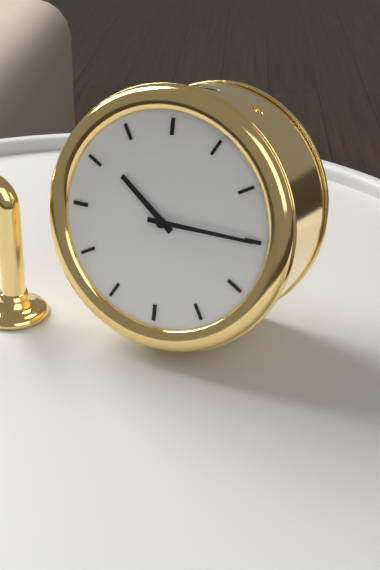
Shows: h=10 m=15
